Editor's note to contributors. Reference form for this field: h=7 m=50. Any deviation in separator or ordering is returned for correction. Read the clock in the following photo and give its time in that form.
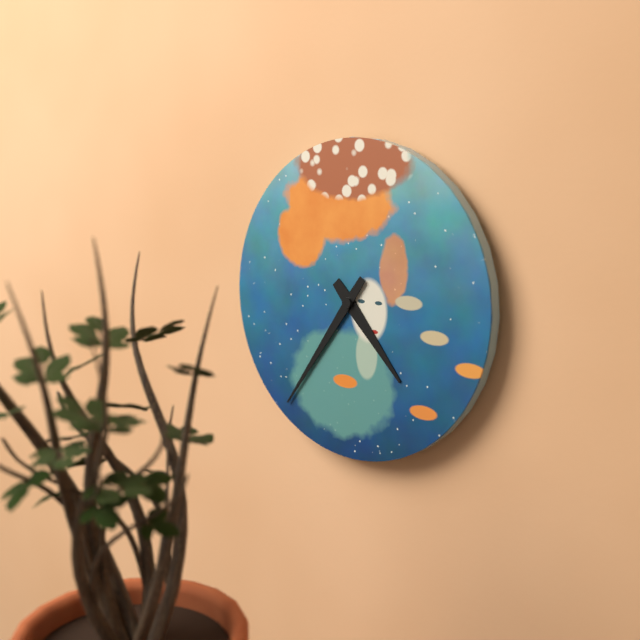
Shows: h=4 m=36
